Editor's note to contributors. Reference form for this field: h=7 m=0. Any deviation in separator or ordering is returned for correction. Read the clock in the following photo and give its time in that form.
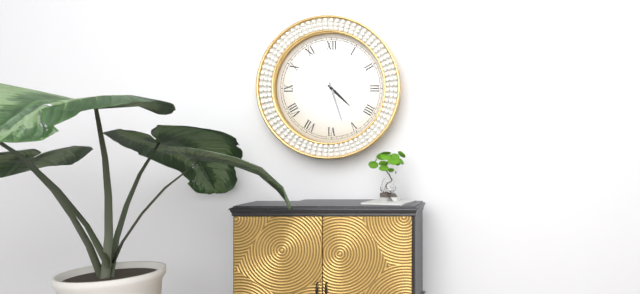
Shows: h=4 m=27
